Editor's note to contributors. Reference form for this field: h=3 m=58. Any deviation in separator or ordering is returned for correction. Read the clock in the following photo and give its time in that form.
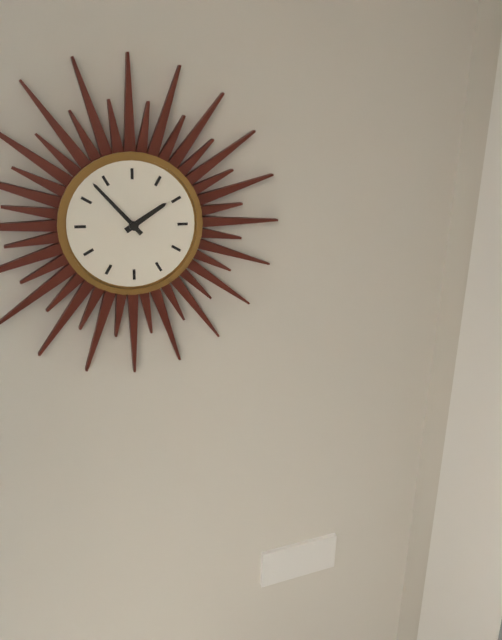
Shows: h=1 m=53
